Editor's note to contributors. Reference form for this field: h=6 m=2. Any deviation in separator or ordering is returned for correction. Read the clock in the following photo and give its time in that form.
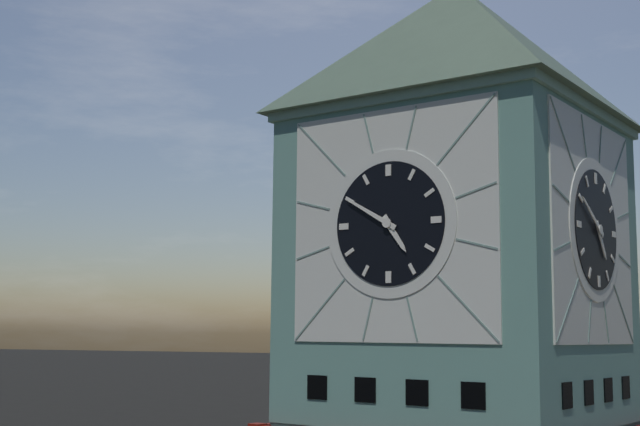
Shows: h=4 m=50
